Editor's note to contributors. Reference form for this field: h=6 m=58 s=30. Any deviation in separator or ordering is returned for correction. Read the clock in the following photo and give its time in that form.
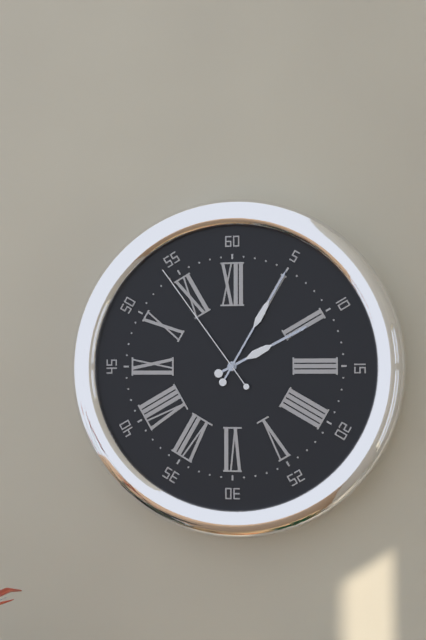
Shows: h=2 m=5 s=54
